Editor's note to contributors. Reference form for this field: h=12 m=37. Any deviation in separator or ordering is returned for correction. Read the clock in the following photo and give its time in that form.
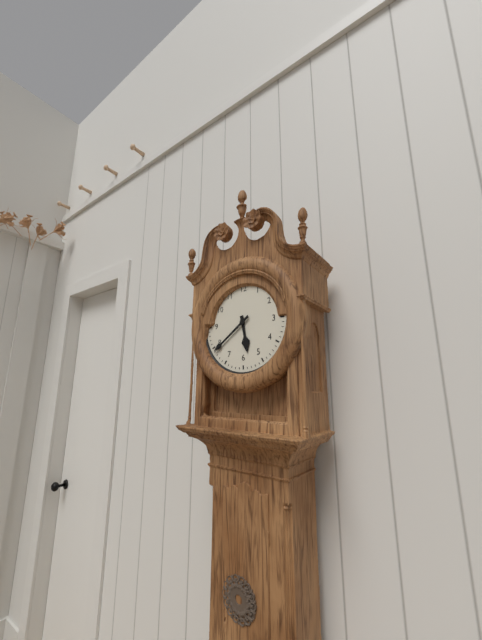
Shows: h=5 m=39
